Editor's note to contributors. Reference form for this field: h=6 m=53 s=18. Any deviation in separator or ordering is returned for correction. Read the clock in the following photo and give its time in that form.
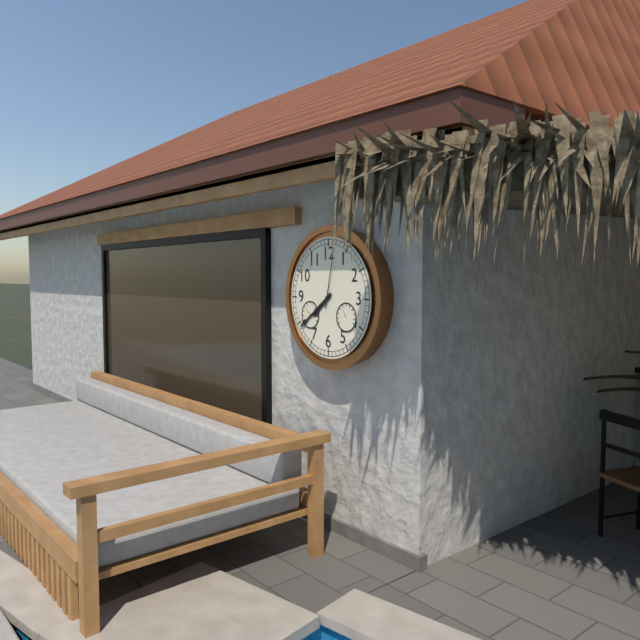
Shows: h=7 m=39 s=2
